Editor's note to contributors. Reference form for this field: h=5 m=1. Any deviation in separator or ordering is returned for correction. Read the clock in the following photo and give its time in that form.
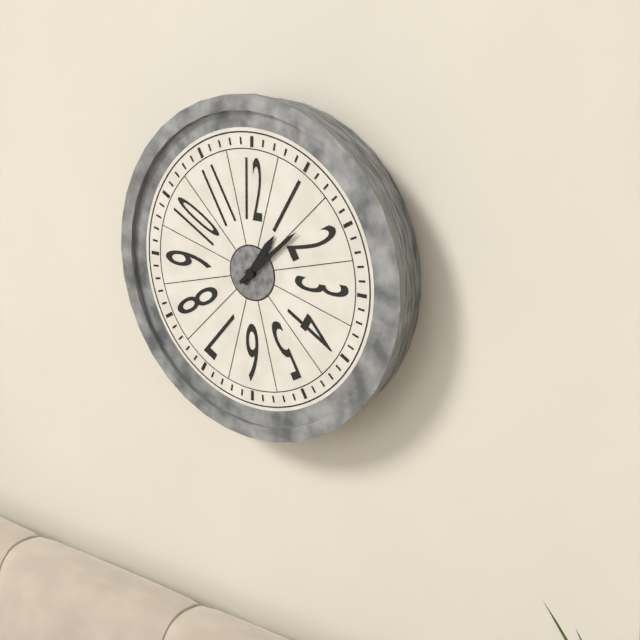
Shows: h=1 m=8
